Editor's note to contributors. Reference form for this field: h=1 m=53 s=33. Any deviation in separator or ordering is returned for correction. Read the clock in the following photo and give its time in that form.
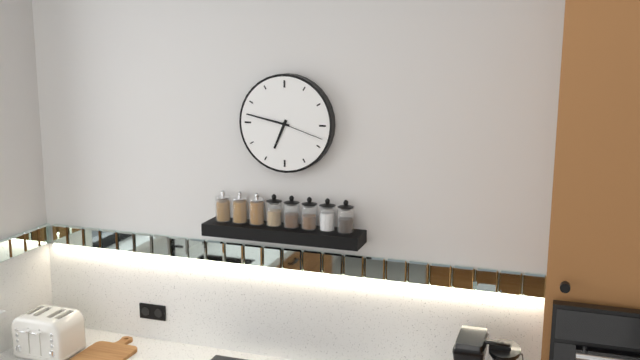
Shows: h=6 m=47 s=18
